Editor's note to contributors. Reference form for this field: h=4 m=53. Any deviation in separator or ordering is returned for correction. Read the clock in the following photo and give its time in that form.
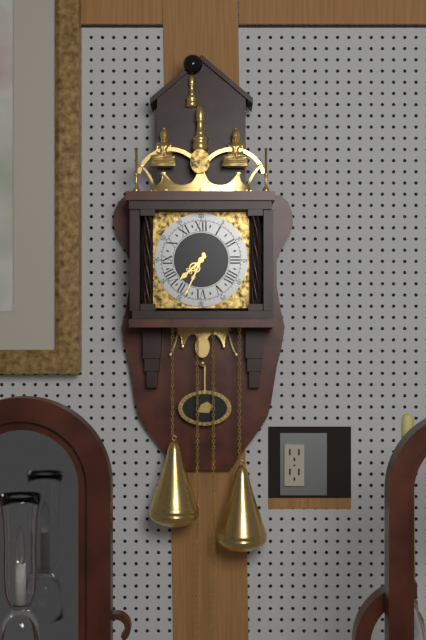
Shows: h=7 m=34
